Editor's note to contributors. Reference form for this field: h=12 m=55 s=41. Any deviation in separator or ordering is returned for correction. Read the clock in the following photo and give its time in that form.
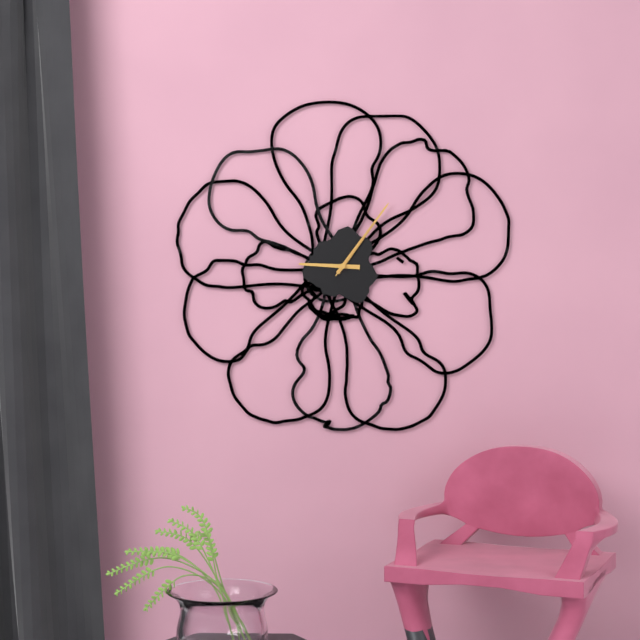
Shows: h=9 m=6 s=6
